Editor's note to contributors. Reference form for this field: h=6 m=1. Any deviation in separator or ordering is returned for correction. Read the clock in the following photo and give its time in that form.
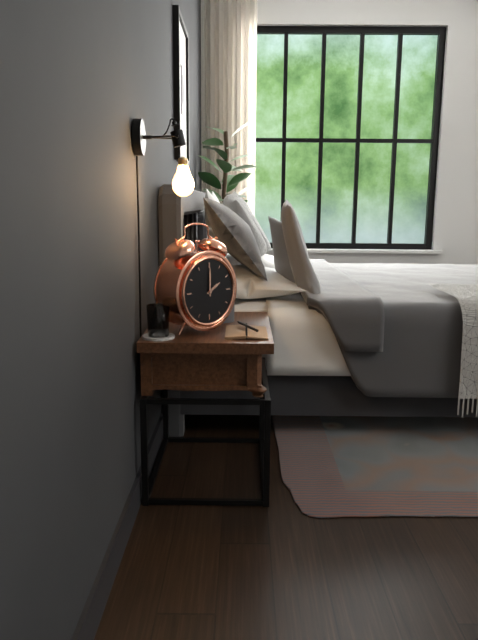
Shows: h=2 m=0
